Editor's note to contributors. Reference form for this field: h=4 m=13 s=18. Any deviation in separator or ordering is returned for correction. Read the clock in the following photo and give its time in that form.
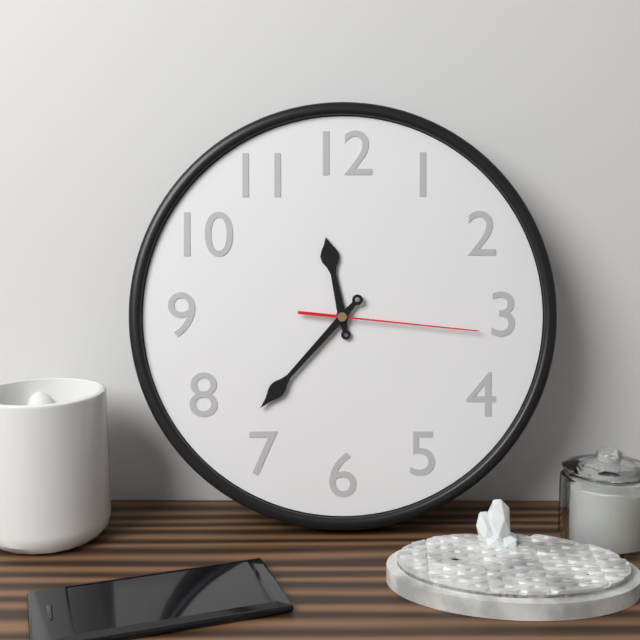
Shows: h=11 m=37 s=16
